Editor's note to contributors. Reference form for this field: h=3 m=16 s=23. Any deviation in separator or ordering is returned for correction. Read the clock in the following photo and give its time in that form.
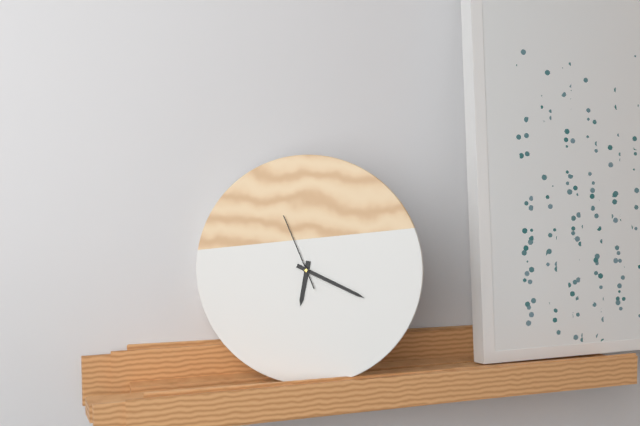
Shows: h=6 m=19 s=56
